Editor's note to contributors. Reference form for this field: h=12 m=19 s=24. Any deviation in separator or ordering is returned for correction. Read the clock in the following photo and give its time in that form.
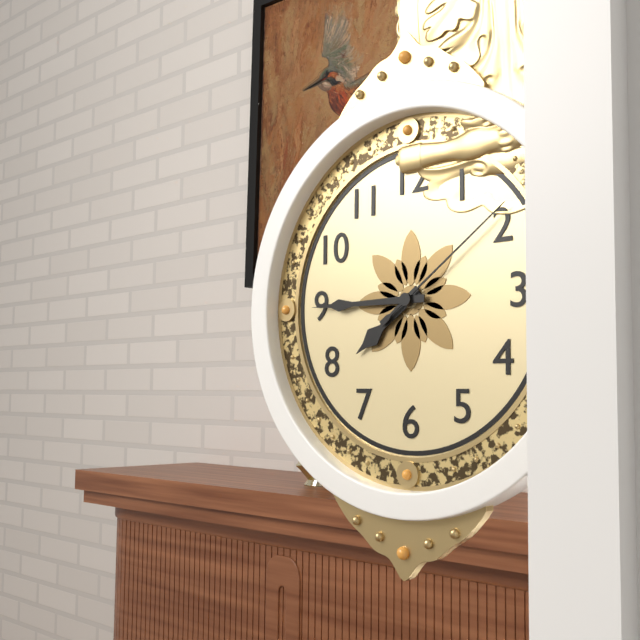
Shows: h=7 m=45 s=9
